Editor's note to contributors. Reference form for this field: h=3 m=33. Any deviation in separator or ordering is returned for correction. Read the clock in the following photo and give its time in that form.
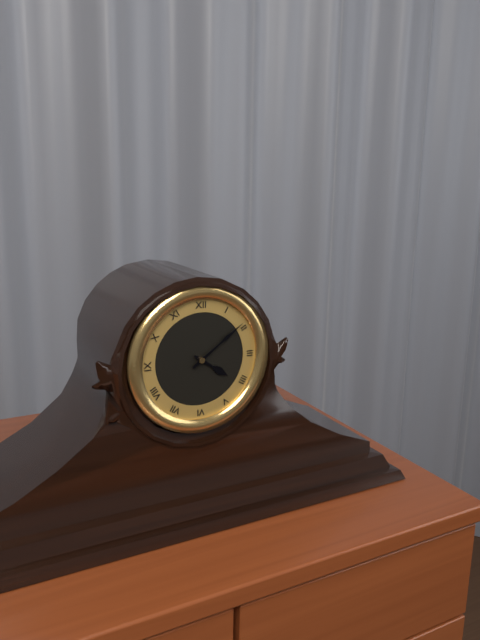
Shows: h=4 m=9
